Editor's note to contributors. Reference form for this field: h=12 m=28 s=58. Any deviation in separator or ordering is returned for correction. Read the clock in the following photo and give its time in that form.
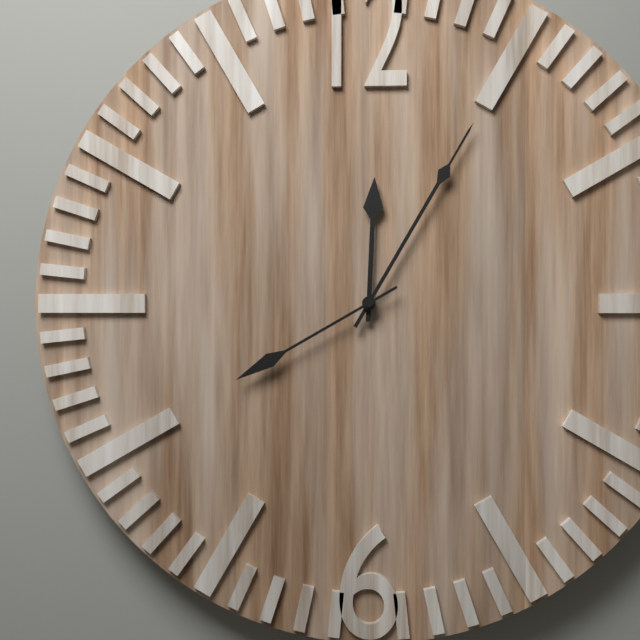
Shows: h=12 m=5 s=40
